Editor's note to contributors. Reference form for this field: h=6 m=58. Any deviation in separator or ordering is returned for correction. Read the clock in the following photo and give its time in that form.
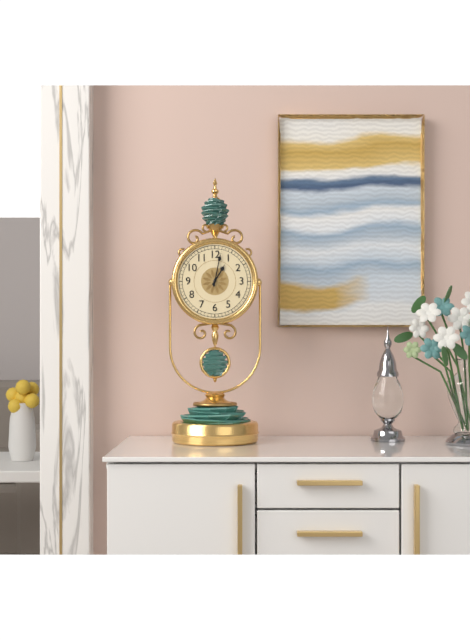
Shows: h=1 m=2
